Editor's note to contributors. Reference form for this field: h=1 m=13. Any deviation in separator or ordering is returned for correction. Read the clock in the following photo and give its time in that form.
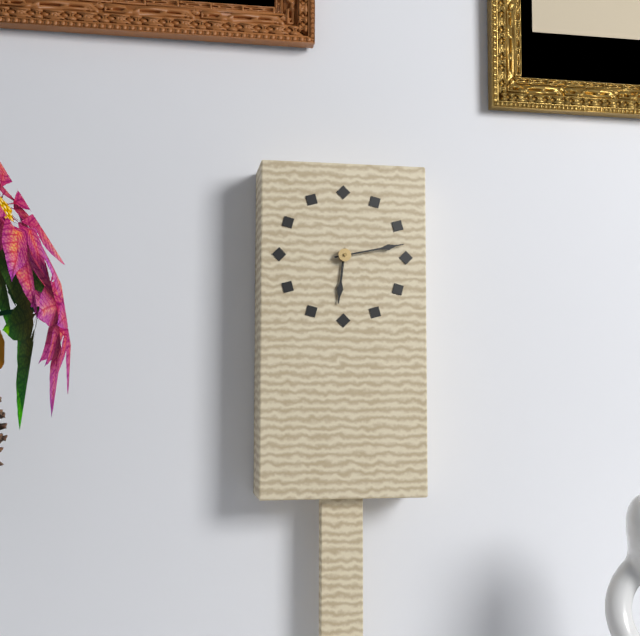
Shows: h=6 m=13
